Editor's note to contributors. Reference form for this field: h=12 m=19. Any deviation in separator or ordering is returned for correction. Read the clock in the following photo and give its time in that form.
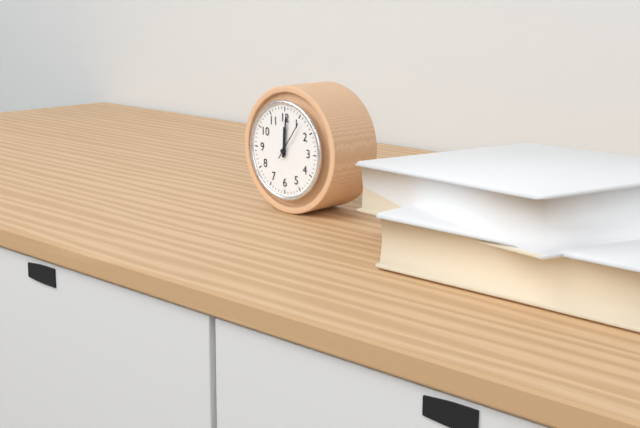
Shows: h=12 m=1
